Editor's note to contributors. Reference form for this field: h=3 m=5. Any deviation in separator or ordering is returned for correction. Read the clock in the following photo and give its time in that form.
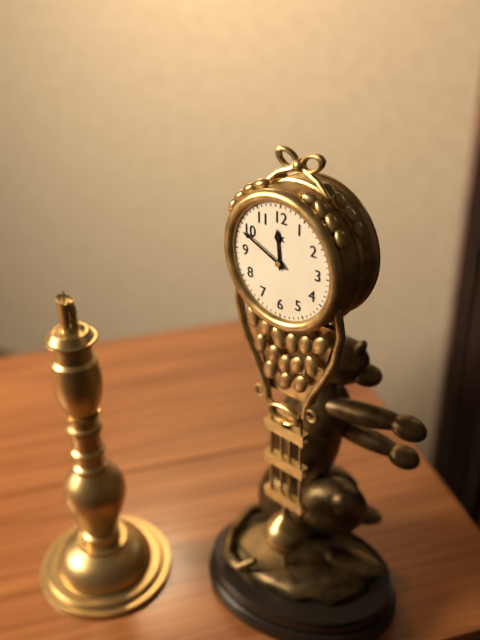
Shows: h=11 m=49
